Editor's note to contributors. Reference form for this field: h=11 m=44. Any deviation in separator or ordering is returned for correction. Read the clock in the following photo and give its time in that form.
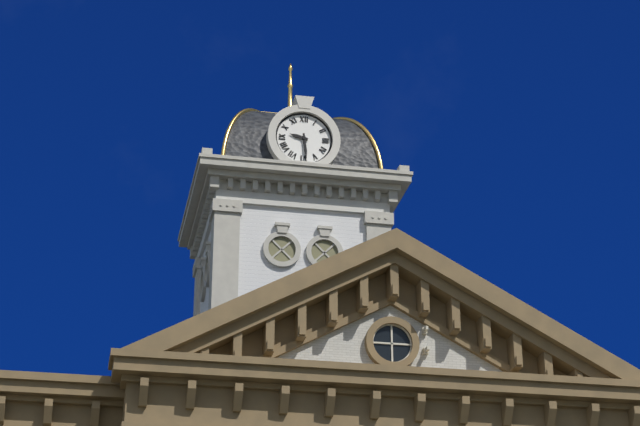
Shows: h=9 m=29
